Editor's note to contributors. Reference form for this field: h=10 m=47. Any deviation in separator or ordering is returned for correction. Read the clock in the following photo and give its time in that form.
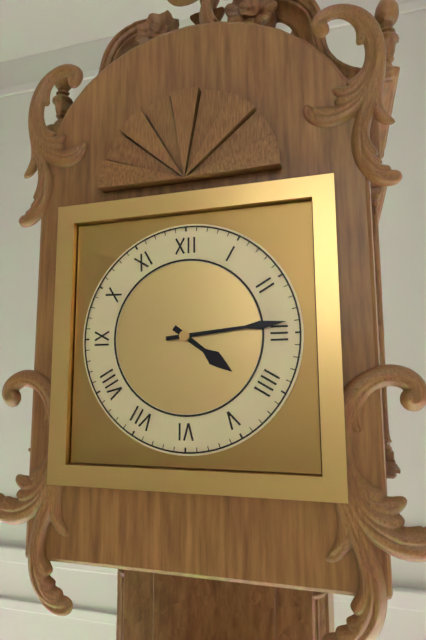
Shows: h=4 m=14
